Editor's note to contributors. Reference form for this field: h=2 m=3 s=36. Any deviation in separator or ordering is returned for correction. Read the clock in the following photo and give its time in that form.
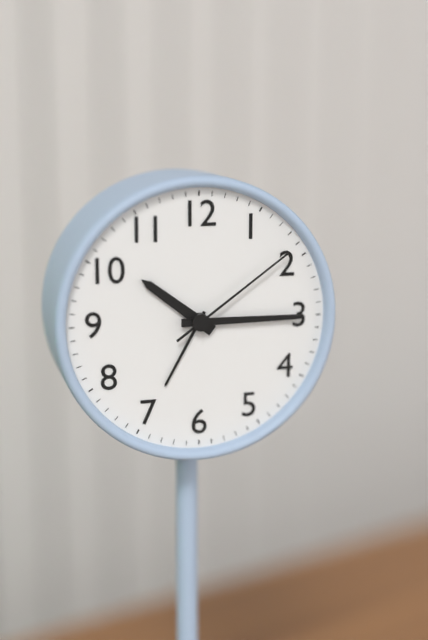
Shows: h=10 m=15 s=9
